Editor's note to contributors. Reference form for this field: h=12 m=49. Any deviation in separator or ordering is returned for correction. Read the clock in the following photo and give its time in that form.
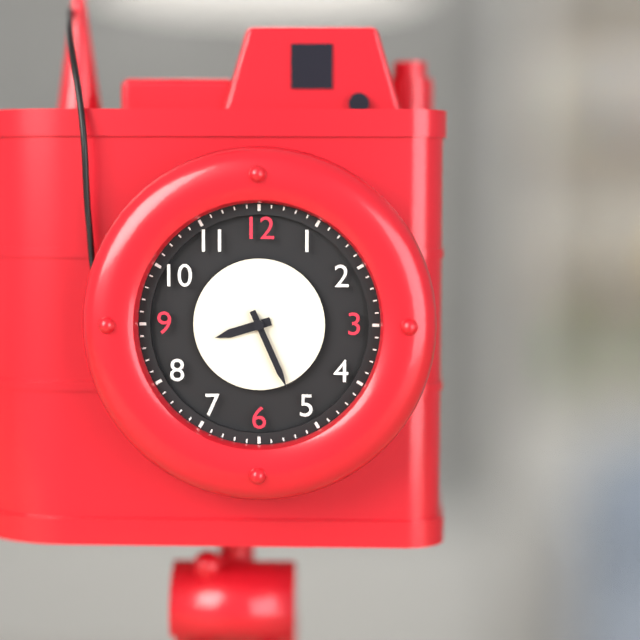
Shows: h=8 m=26
